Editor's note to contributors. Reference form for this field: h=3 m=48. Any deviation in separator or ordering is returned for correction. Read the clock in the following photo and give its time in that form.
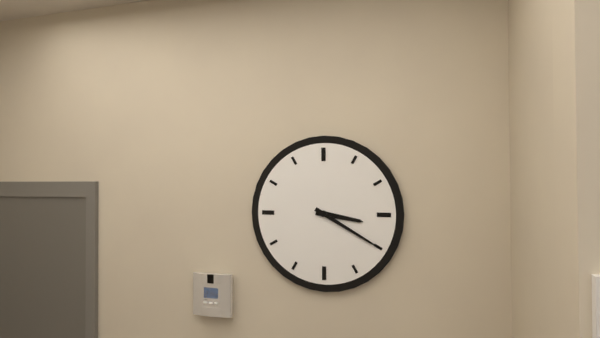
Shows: h=3 m=20
